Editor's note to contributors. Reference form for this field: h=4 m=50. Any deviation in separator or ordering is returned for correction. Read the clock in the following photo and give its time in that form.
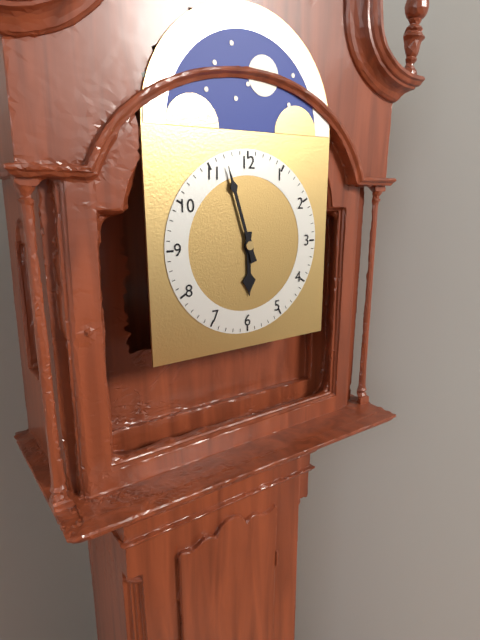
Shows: h=5 m=57
